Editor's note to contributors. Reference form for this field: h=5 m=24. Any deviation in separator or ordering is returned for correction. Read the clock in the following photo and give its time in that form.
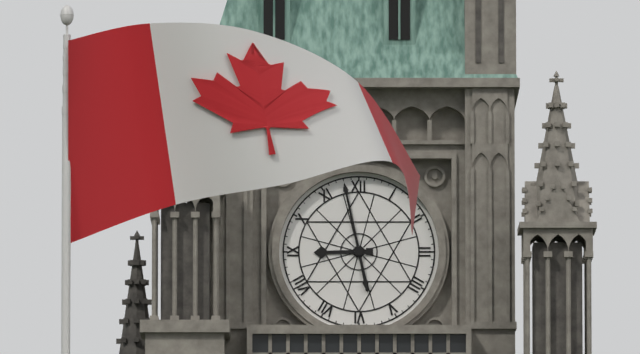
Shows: h=8 m=58
